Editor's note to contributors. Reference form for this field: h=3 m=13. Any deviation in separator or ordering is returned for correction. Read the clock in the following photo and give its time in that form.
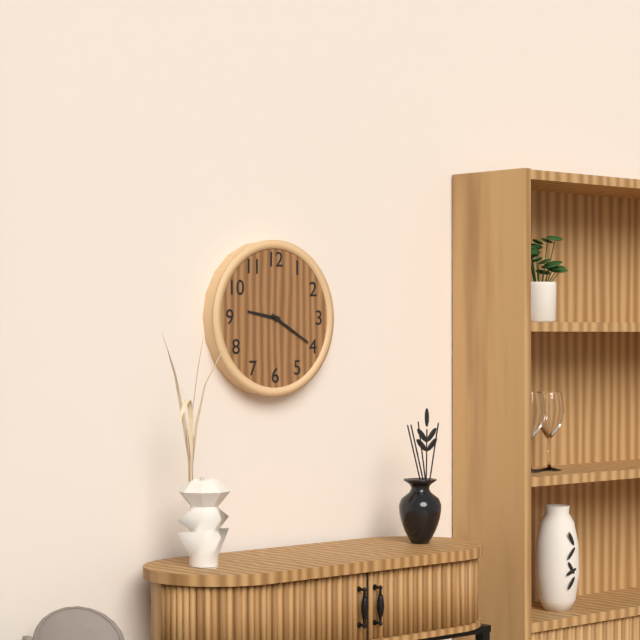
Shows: h=9 m=20
